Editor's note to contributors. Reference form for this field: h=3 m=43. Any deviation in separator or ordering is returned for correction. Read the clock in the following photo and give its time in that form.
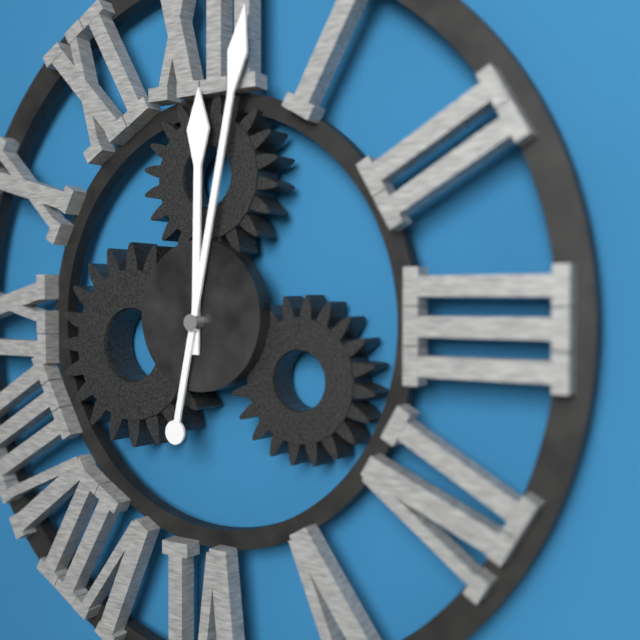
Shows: h=12 m=2
